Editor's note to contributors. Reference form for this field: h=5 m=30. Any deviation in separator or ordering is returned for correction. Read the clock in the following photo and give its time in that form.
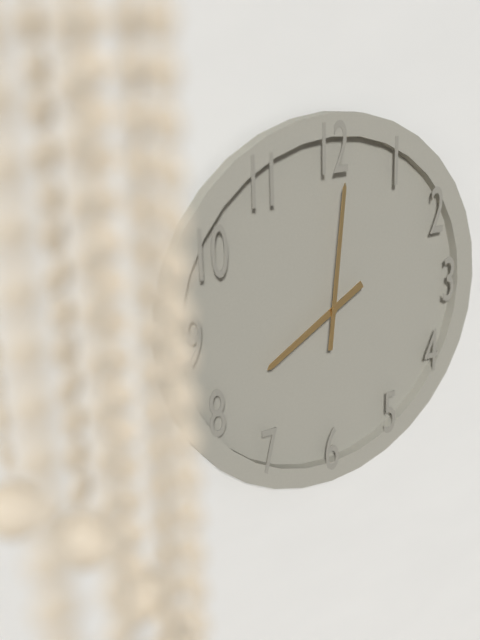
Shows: h=8 m=1
